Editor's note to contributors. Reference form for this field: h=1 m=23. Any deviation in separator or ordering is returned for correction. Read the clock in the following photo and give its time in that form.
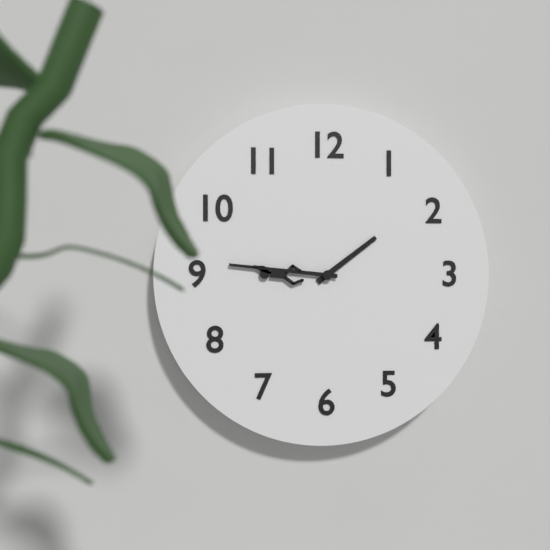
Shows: h=1 m=46
